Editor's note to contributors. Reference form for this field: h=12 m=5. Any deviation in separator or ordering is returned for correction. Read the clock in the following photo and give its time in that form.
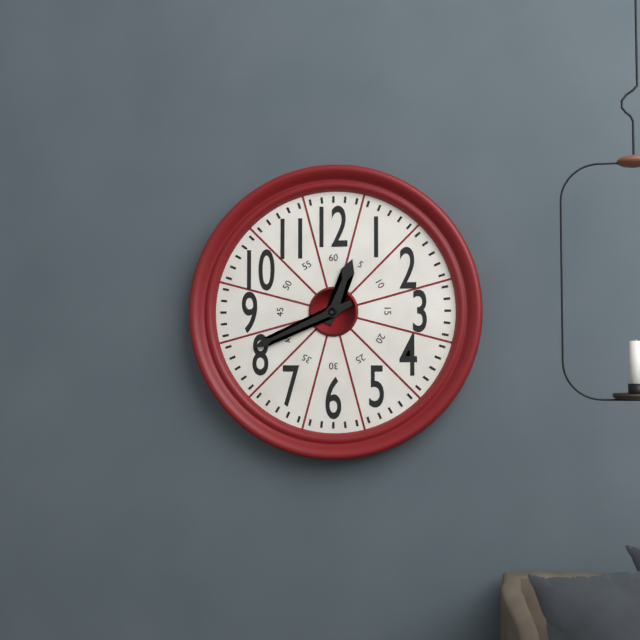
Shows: h=12 m=41
